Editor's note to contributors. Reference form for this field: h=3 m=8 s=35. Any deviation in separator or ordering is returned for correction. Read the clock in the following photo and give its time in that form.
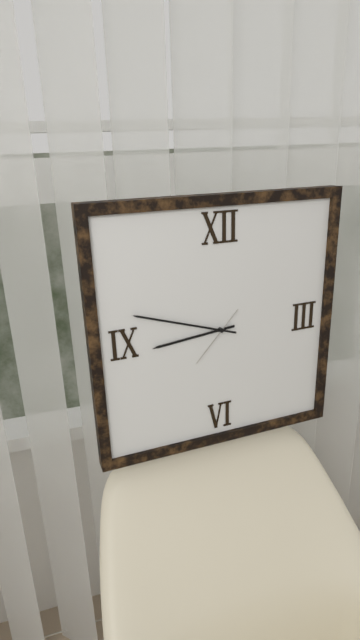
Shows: h=8 m=48 s=37
